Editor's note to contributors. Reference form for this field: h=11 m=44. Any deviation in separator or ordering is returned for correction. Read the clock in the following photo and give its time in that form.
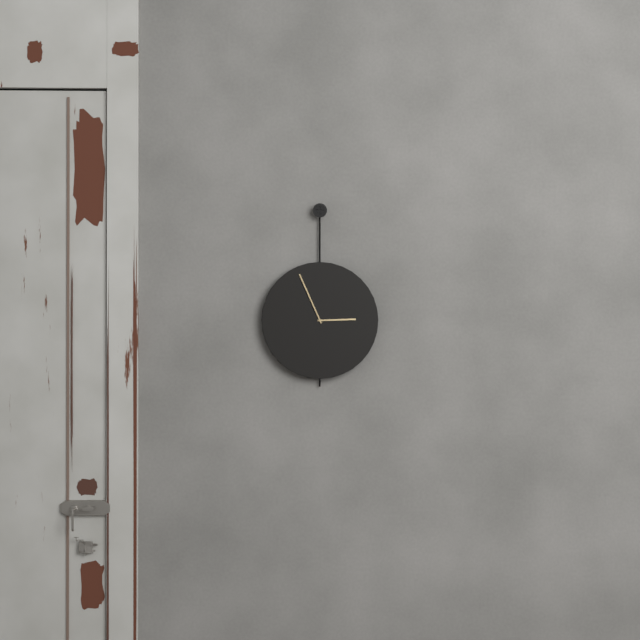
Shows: h=2 m=56
